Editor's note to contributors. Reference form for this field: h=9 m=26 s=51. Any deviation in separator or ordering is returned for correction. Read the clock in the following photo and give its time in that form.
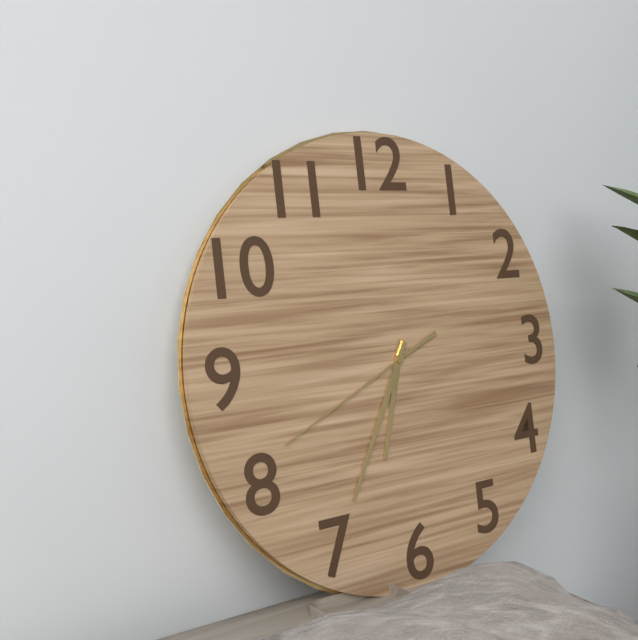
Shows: h=6 m=35 s=41
